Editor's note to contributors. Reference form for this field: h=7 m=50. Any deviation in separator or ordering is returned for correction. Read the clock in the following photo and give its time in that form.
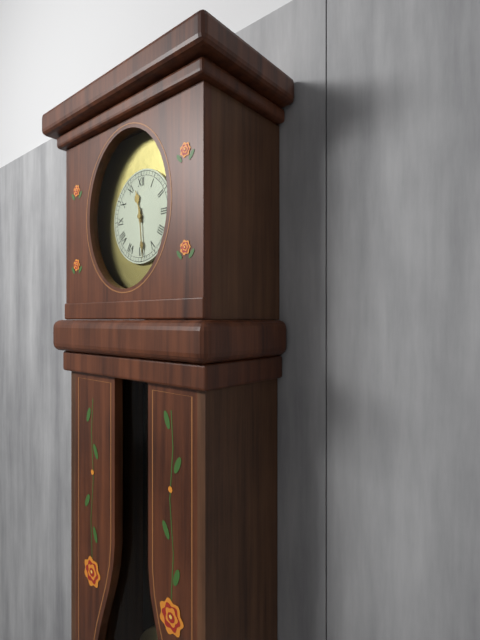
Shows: h=11 m=29
